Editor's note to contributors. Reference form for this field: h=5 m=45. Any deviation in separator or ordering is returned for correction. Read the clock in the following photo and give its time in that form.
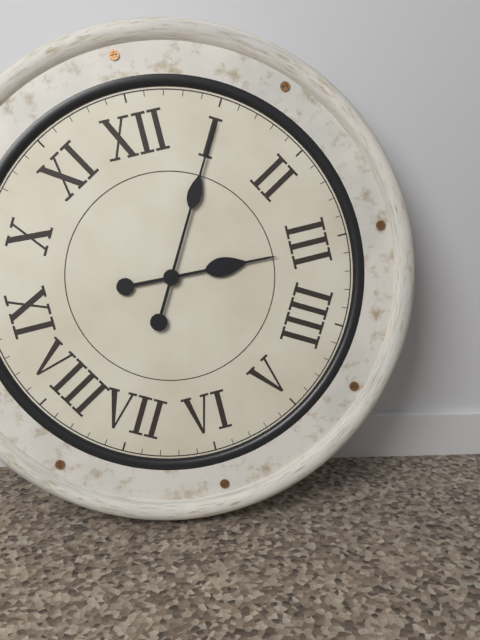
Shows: h=3 m=5
